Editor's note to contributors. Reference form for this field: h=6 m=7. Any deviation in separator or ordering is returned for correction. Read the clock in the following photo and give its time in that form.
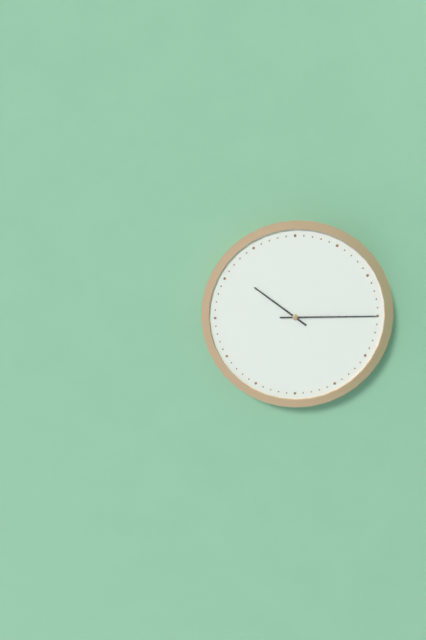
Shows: h=10 m=15
